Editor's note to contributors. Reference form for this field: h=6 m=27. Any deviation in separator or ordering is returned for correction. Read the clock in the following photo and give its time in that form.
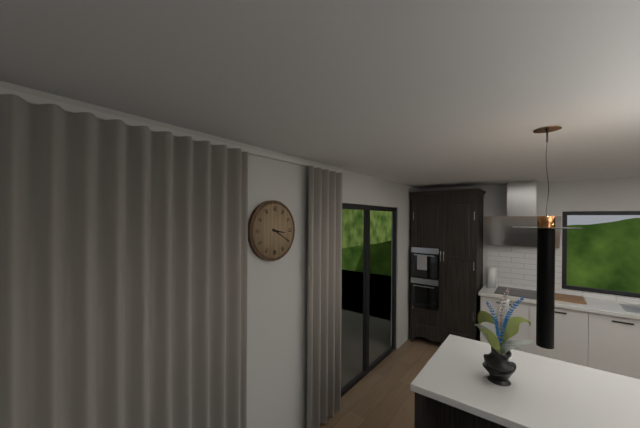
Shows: h=3 m=20
